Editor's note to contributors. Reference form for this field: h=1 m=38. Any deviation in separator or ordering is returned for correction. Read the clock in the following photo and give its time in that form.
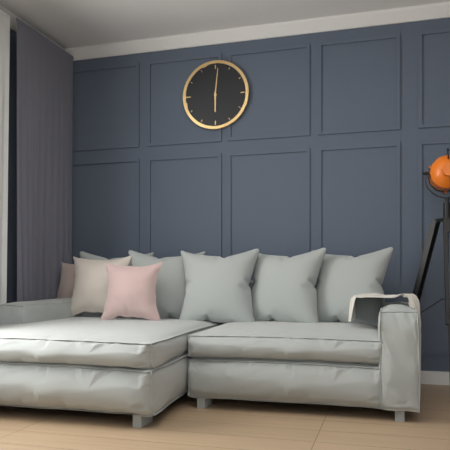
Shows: h=6 m=1
